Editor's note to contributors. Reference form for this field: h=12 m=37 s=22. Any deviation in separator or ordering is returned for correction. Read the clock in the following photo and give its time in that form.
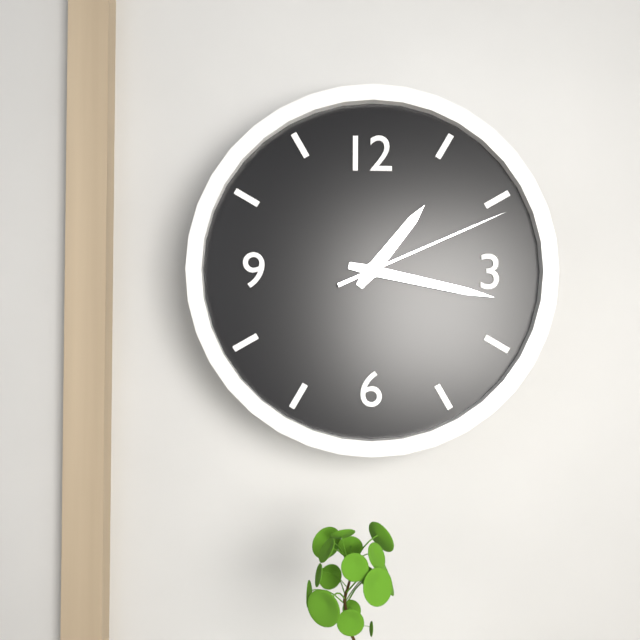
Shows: h=1 m=17 s=11
